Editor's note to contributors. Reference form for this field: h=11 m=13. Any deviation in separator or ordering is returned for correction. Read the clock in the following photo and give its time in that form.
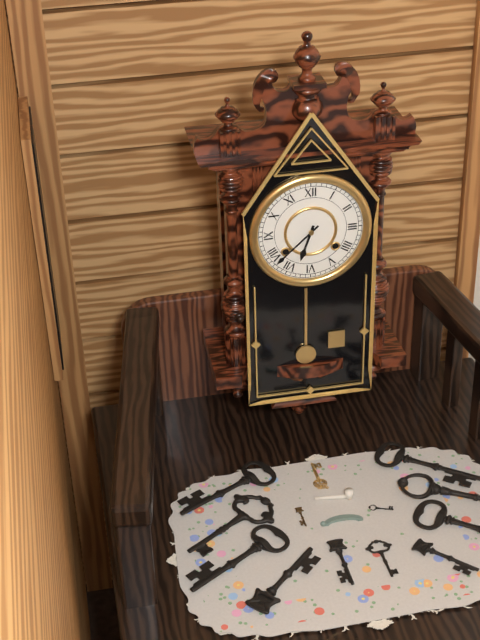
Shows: h=6 m=38
